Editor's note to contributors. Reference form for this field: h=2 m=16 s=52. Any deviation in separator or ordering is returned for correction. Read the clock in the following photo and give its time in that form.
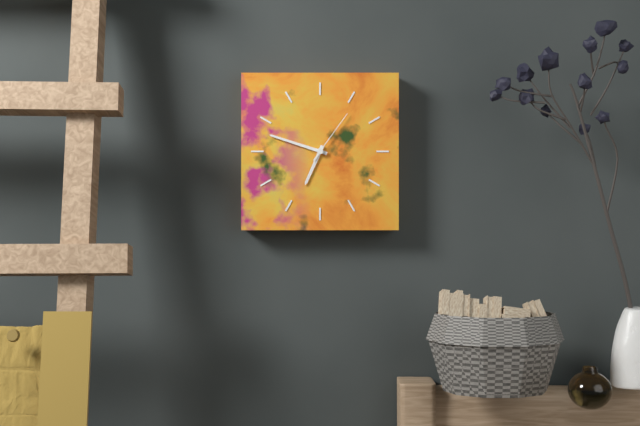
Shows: h=6 m=48 s=6
